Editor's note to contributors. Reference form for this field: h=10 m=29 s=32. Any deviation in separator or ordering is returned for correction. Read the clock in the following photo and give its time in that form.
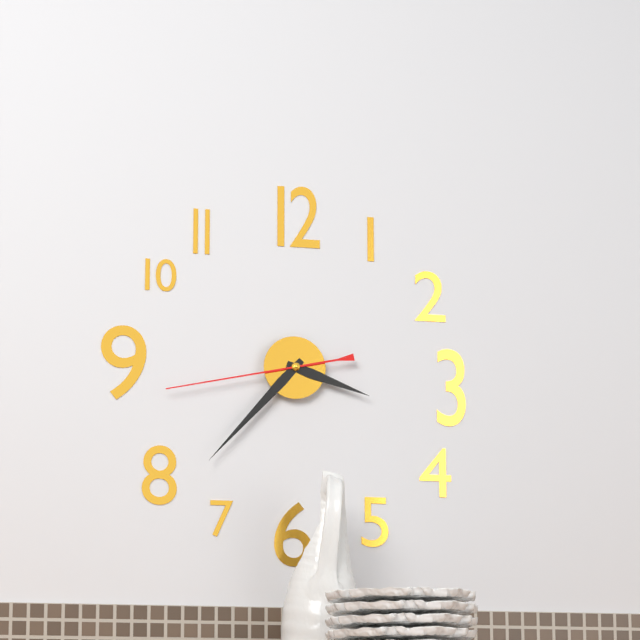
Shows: h=3 m=37 s=43
